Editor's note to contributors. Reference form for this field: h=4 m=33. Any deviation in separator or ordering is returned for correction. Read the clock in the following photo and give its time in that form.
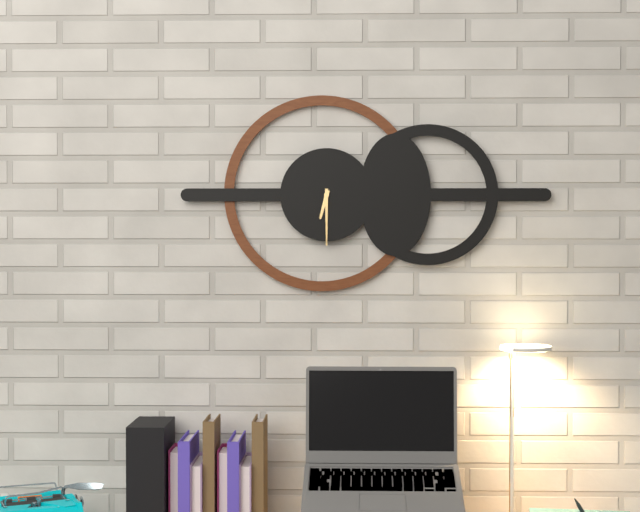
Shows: h=6 m=30
